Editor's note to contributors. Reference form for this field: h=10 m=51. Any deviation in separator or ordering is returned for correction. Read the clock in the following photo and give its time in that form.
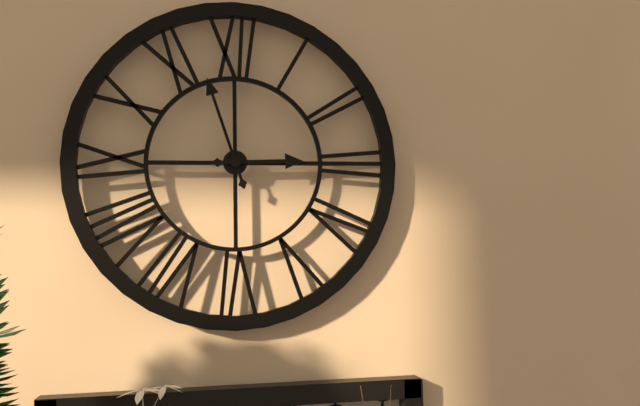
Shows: h=2 m=57
